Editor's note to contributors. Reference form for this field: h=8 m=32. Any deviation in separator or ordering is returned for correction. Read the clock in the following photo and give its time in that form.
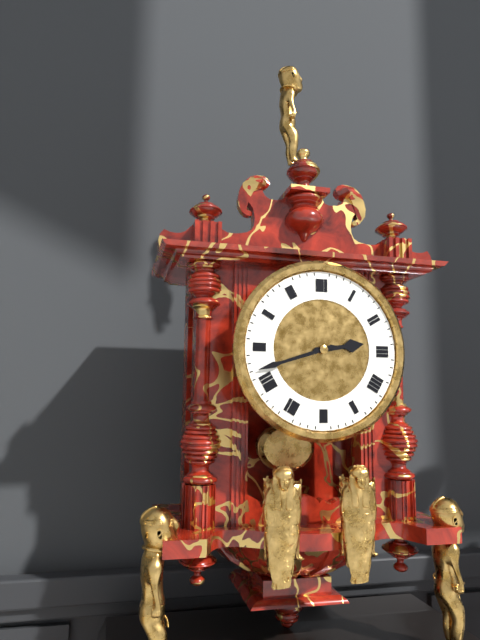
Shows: h=2 m=42
